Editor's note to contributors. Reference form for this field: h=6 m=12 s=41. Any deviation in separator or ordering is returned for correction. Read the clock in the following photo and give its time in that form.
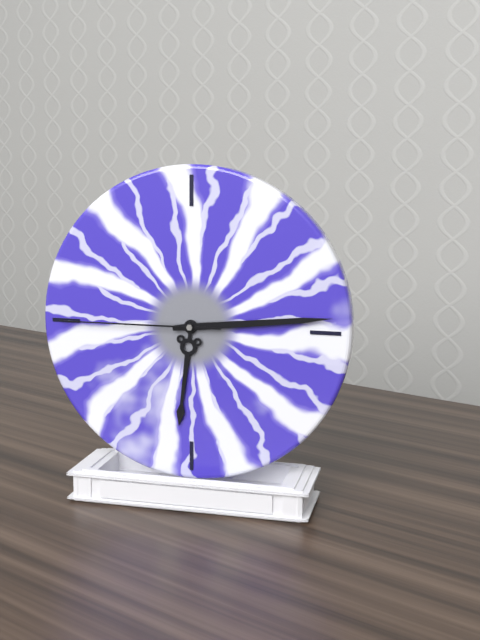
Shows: h=6 m=14 s=45
